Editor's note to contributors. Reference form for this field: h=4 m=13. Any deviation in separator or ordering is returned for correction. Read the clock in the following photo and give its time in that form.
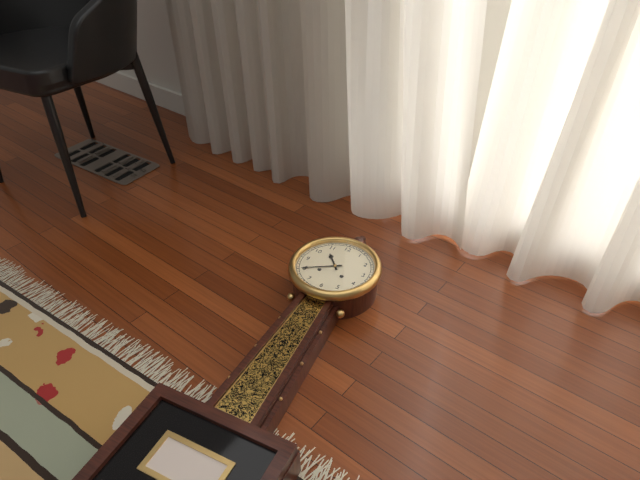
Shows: h=10 m=40
